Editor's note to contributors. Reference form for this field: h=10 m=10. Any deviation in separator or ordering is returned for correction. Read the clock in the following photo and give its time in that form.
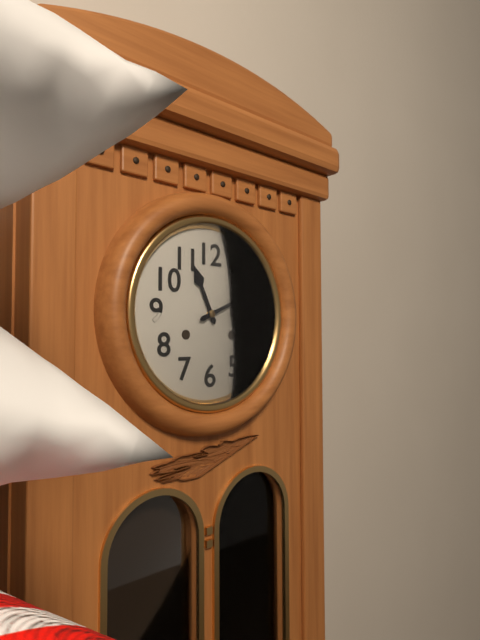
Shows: h=11 m=11
